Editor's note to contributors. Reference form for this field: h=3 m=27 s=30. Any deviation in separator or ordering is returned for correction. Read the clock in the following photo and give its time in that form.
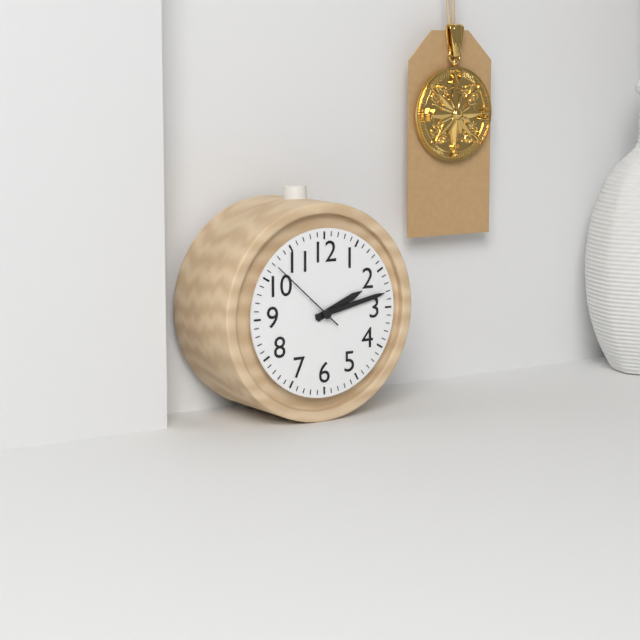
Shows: h=2 m=13 s=52
